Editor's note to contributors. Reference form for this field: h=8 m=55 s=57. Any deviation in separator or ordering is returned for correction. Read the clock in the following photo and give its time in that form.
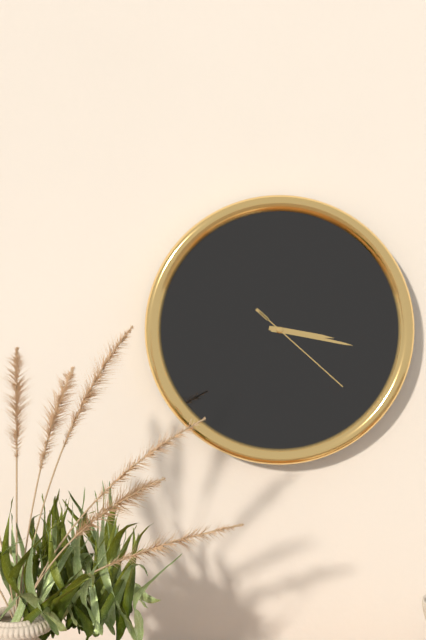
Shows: h=3 m=17 s=22
